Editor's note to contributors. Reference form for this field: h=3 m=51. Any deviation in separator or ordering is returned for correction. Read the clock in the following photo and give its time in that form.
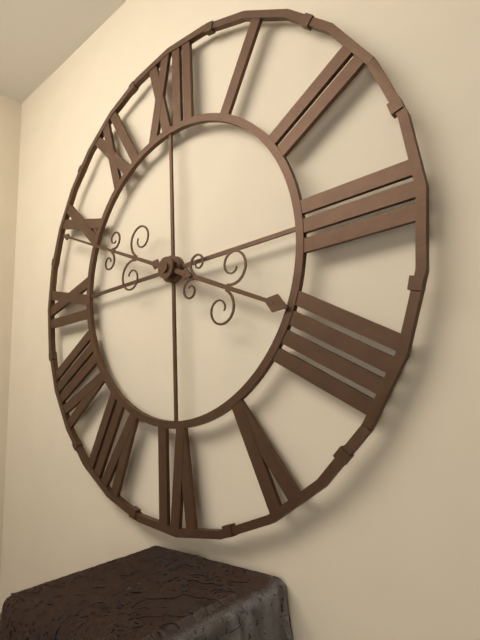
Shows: h=3 m=49
